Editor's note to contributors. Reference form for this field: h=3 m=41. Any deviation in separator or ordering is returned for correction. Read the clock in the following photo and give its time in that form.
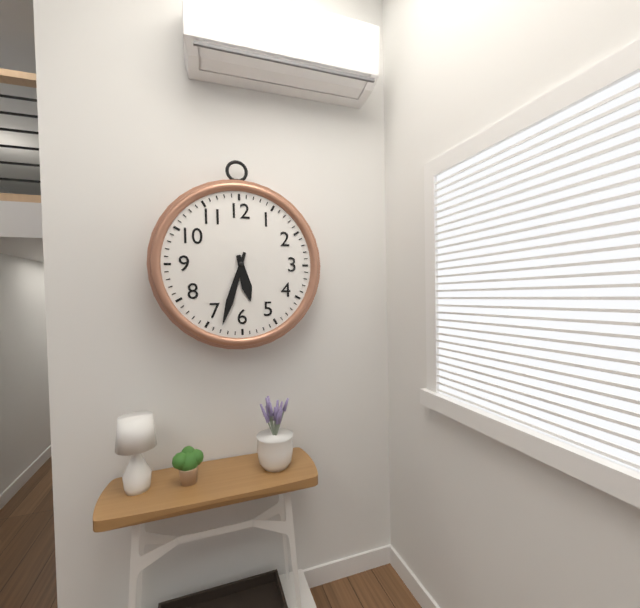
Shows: h=5 m=33
